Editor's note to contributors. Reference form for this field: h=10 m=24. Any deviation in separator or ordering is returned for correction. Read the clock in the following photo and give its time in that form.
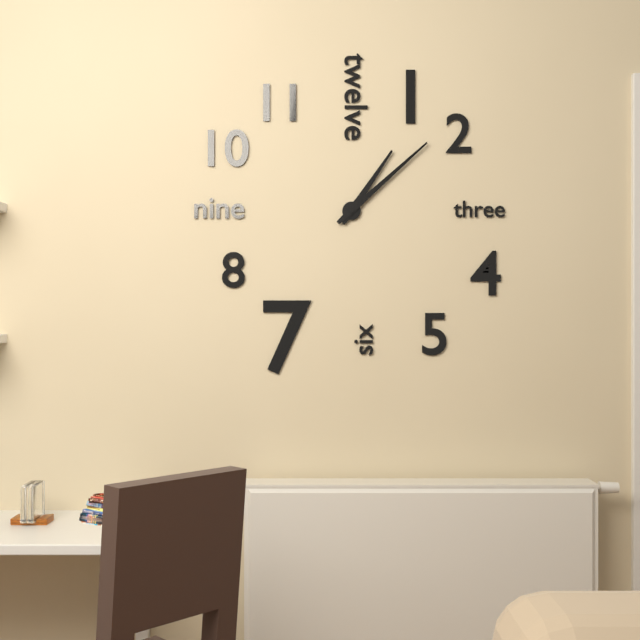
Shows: h=1 m=8
